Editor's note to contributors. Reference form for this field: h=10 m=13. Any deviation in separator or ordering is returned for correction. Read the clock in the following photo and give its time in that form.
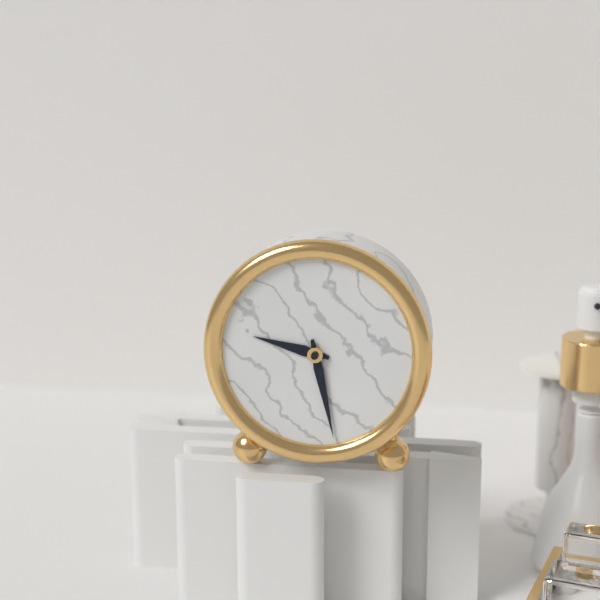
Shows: h=9 m=28
